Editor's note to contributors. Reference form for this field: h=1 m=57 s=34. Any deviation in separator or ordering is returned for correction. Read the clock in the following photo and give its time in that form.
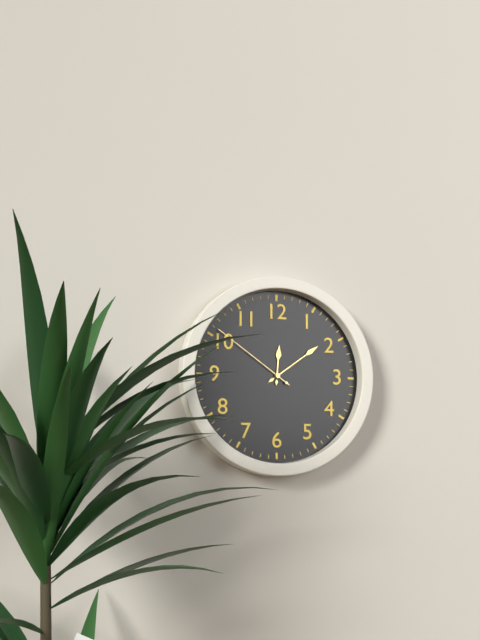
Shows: h=12 m=9 s=51
